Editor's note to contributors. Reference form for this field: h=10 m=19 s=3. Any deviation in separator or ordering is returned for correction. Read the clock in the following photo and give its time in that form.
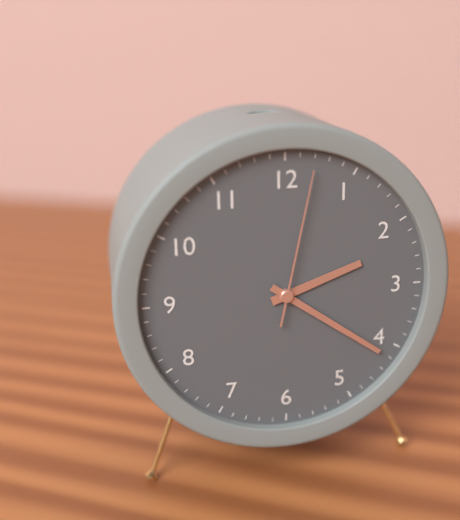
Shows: h=2 m=21 s=2
